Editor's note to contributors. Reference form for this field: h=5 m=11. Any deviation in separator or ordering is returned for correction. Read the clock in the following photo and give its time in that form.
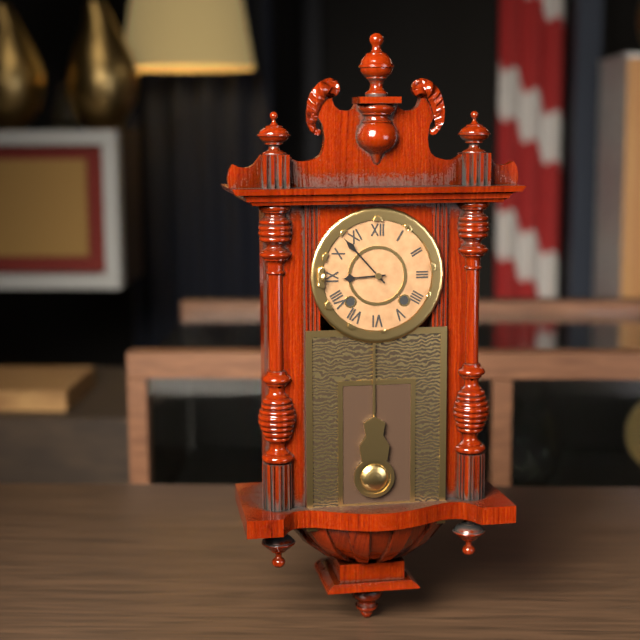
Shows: h=8 m=53
